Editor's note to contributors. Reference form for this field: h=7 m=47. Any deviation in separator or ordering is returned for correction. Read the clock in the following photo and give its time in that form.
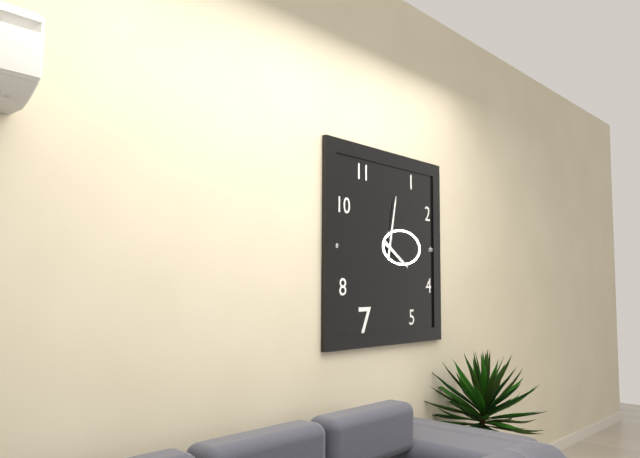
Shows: h=4 m=2
